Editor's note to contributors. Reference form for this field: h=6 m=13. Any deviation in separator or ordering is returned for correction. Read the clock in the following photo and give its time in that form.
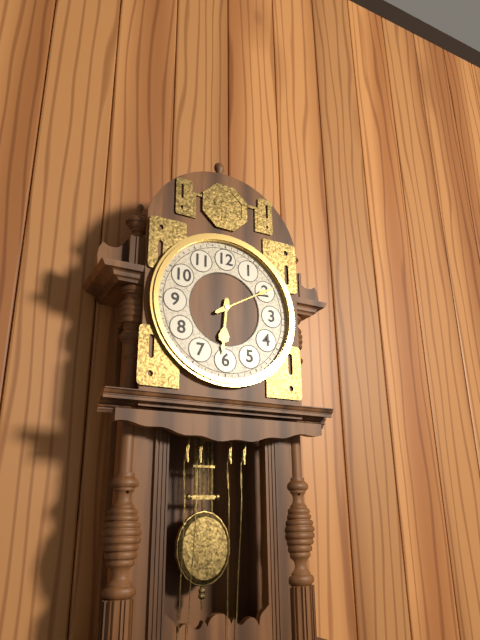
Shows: h=6 m=10
